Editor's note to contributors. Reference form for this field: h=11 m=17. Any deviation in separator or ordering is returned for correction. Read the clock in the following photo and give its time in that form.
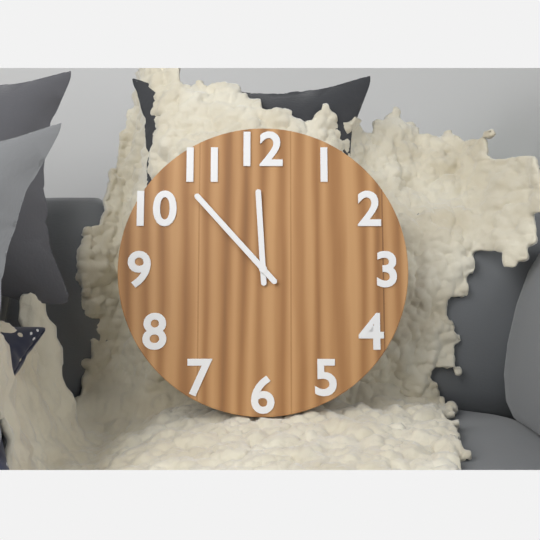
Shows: h=11 m=53
